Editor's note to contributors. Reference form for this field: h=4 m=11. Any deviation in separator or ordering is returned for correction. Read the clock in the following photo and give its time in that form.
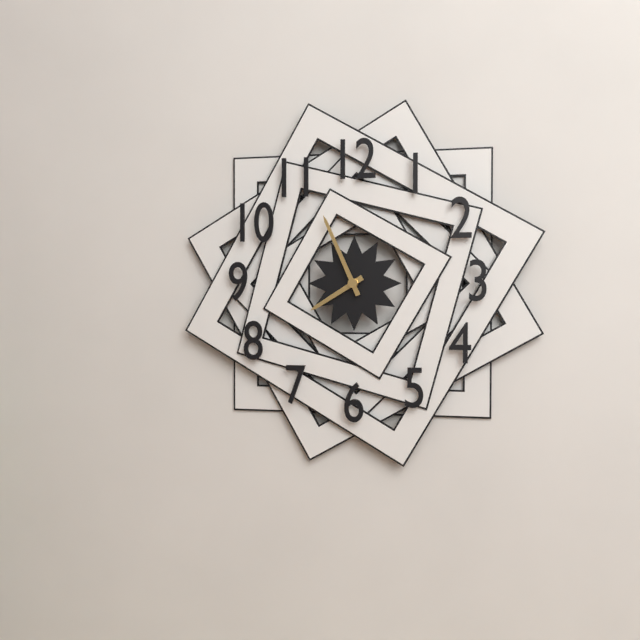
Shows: h=7 m=56
